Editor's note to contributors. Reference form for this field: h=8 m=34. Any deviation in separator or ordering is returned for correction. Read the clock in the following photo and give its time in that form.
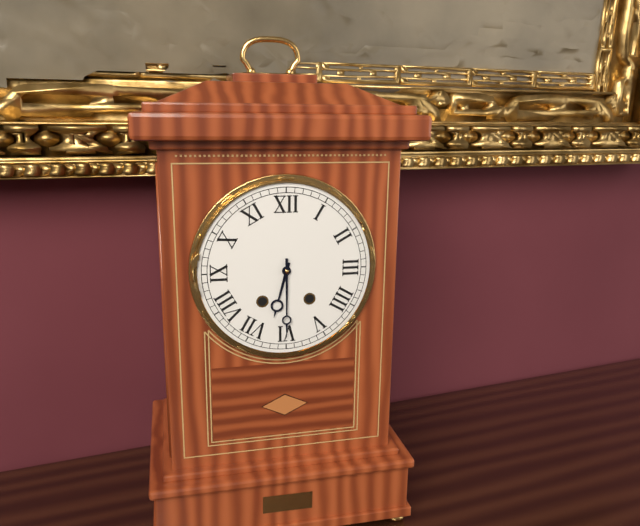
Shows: h=6 m=30
